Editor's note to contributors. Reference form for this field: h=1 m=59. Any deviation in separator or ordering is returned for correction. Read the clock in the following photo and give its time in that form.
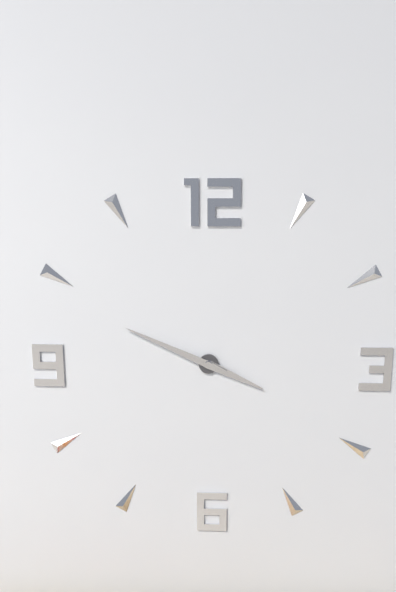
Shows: h=3 m=49
